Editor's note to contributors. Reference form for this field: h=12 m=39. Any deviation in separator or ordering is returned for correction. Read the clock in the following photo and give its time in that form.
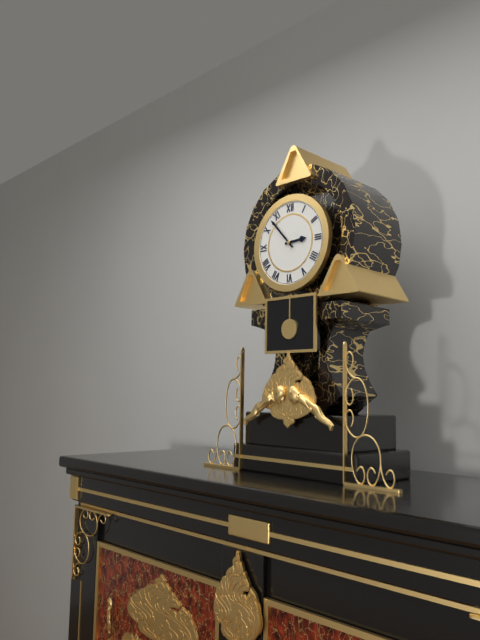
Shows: h=2 m=53
